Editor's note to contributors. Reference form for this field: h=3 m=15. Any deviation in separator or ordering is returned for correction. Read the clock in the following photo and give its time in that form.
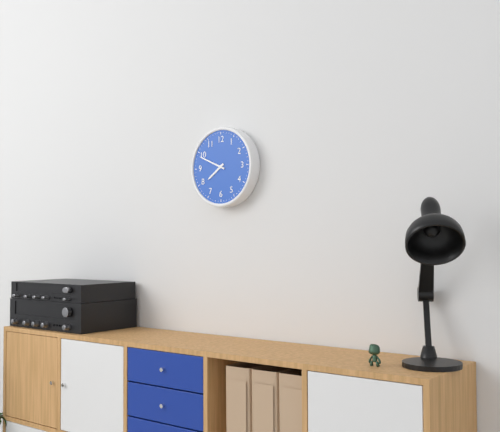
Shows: h=7 m=49
